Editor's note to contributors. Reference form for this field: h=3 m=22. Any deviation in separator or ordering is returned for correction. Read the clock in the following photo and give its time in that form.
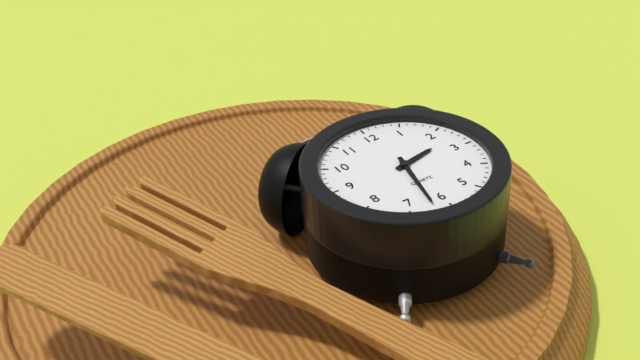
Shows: h=2 m=32
